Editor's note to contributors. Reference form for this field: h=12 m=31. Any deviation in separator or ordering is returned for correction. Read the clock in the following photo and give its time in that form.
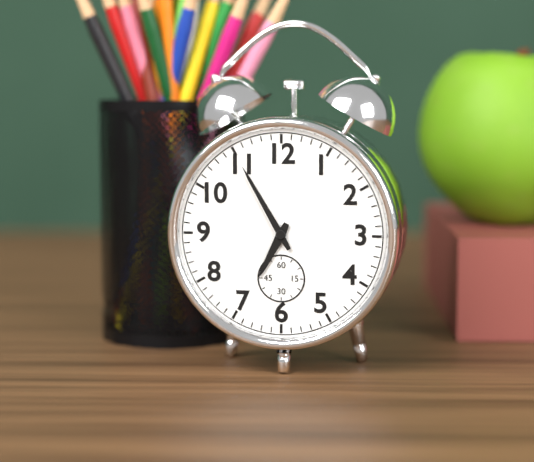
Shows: h=6 m=55
